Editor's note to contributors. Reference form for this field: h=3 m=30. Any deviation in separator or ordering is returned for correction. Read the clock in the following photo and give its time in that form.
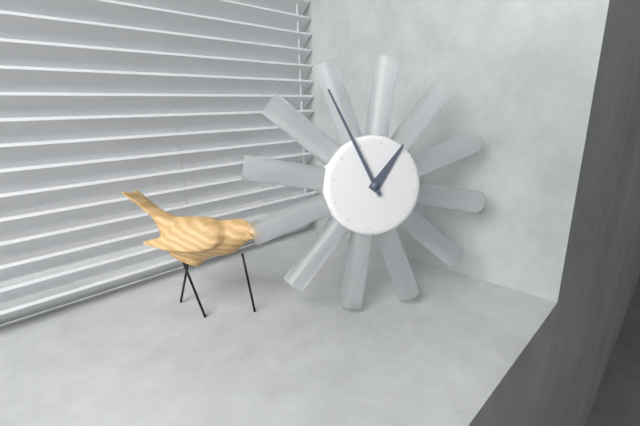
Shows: h=12 m=54
